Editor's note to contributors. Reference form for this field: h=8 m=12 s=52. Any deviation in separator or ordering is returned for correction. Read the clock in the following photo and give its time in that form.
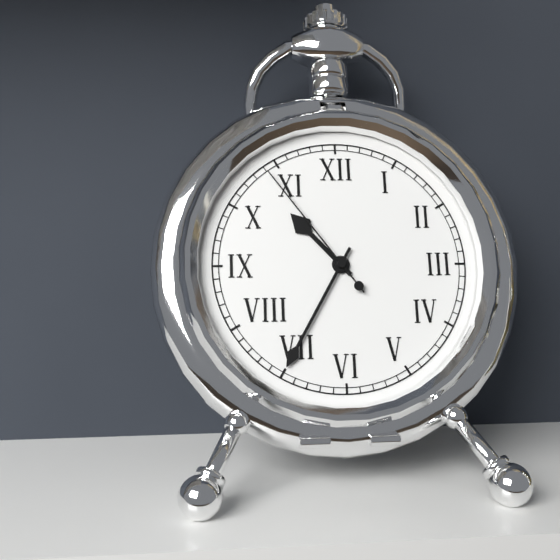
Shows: h=10 m=35 s=54
